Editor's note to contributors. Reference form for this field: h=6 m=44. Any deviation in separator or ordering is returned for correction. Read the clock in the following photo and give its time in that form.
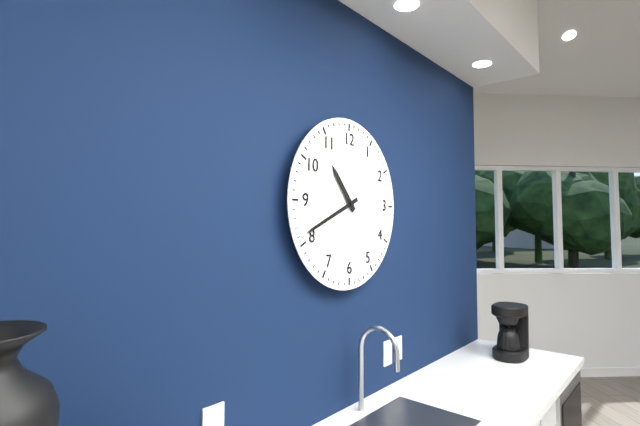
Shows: h=10 m=41
